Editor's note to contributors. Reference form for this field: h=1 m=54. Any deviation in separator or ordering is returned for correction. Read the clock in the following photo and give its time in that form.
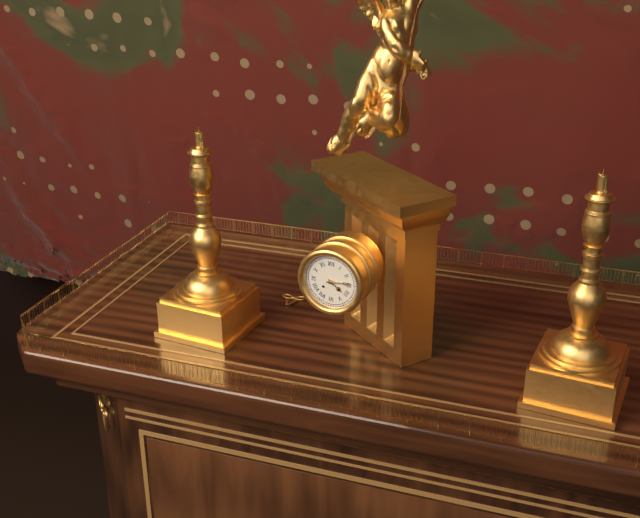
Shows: h=4 m=14
